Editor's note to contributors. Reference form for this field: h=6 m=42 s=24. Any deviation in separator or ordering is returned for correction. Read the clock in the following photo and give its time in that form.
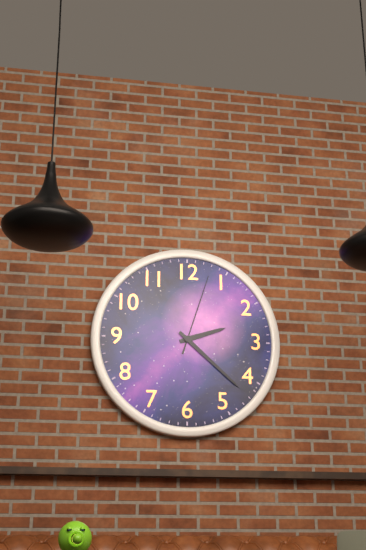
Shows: h=2 m=22 s=3
